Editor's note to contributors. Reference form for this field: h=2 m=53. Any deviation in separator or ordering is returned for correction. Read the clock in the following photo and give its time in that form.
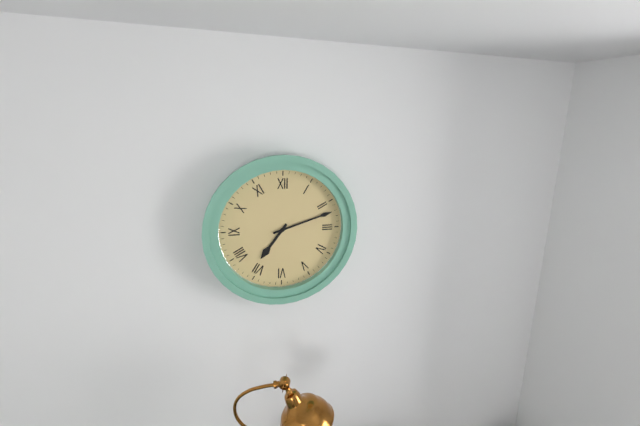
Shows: h=7 m=12
